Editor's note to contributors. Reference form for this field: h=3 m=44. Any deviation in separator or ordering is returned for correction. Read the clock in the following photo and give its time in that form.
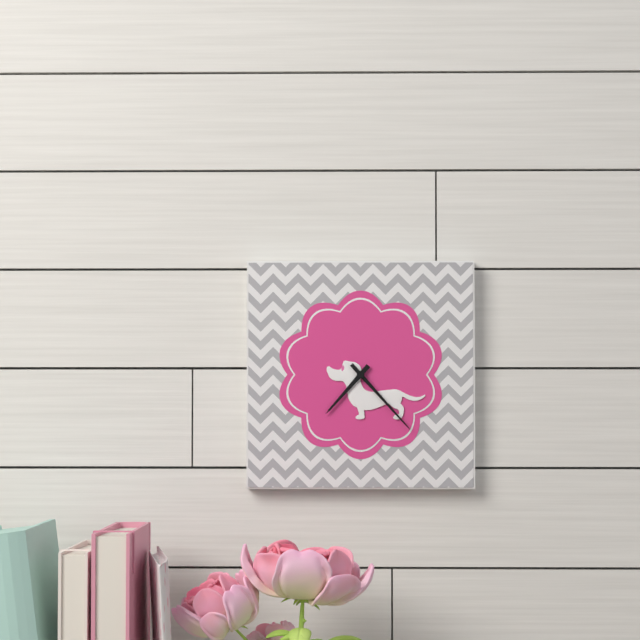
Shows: h=7 m=23
